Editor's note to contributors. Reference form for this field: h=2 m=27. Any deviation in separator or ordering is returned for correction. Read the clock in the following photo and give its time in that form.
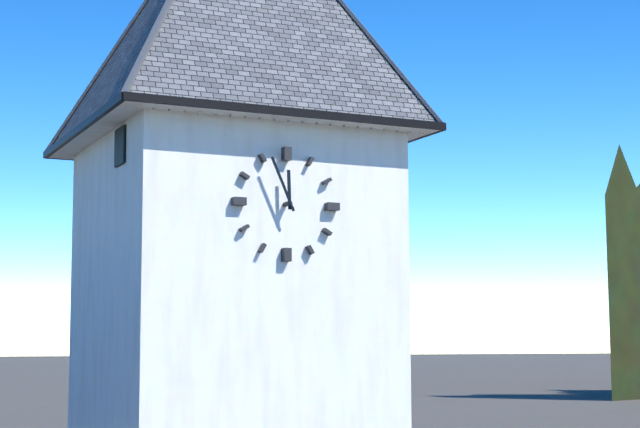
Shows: h=11 m=56
